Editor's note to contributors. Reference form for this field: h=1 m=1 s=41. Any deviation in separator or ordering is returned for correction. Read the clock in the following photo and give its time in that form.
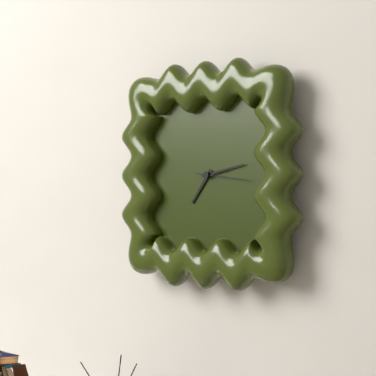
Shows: h=7 m=13 s=16
